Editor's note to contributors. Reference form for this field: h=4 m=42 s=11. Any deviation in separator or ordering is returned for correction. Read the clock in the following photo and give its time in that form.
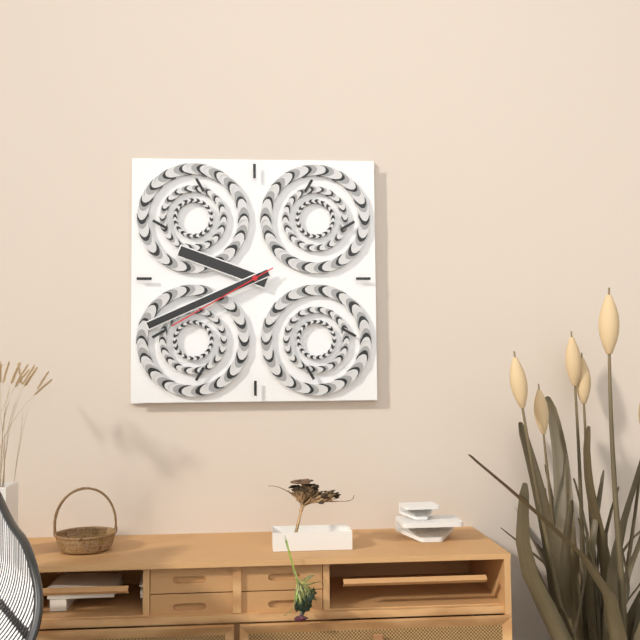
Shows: h=9 m=41 s=40
